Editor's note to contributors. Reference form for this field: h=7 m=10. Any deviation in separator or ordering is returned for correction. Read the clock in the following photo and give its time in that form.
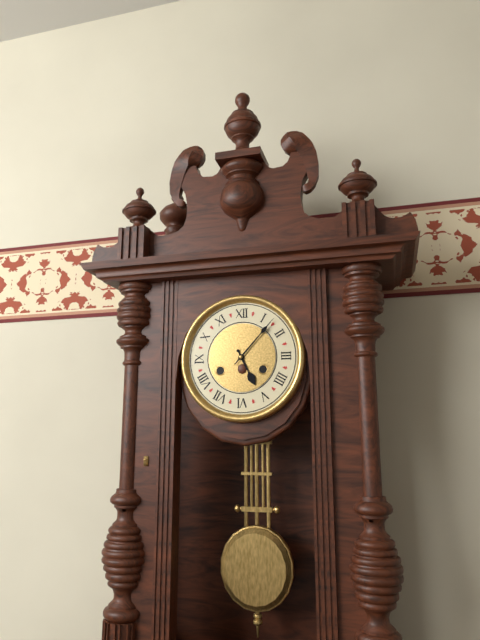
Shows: h=5 m=7
